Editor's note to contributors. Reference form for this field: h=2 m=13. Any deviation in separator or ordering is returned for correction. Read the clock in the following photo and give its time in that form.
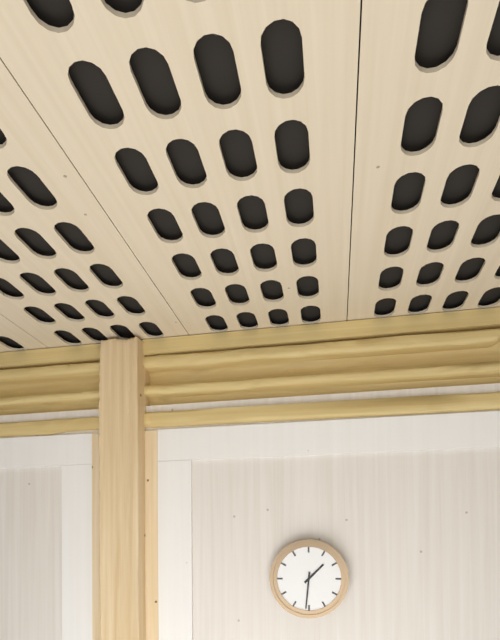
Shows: h=1 m=31
